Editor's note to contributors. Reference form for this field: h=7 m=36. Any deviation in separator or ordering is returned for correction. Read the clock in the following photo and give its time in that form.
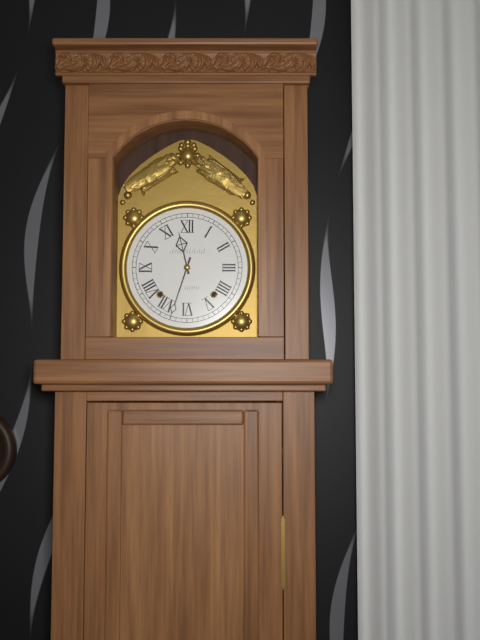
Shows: h=11 m=33
